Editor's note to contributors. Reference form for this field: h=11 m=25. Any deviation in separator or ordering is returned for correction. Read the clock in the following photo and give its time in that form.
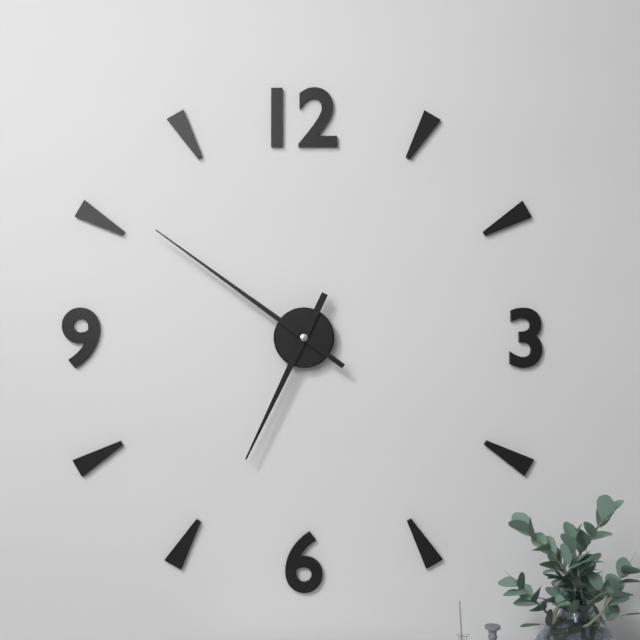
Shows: h=6 m=51
